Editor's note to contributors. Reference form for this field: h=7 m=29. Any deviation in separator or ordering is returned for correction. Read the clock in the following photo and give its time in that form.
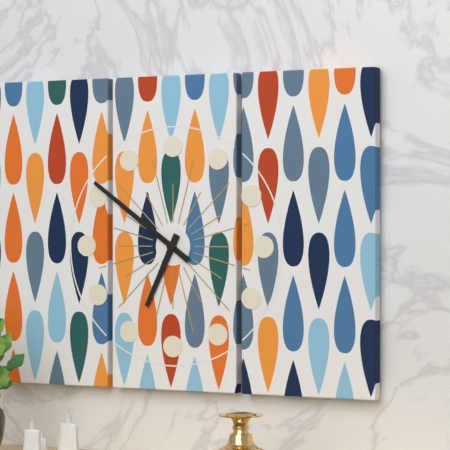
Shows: h=6 m=51
